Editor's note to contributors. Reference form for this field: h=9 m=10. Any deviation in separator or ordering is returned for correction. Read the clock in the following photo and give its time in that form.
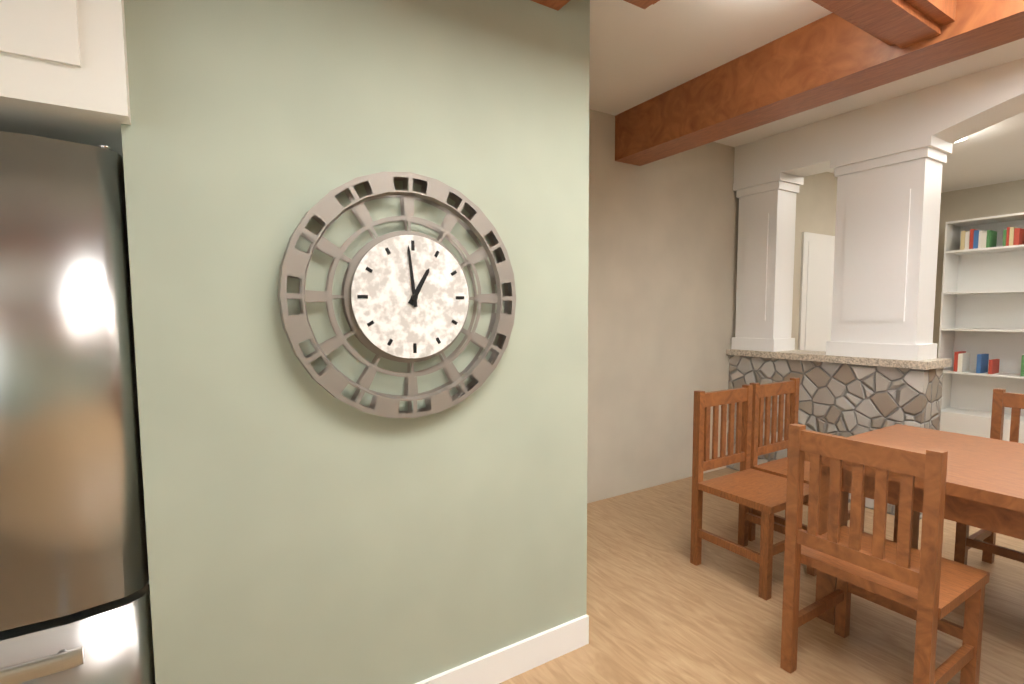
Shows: h=12 m=59
